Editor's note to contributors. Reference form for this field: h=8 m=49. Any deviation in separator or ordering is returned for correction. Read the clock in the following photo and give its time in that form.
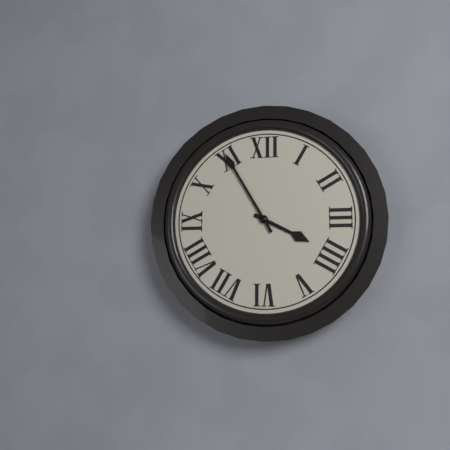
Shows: h=3 m=55
